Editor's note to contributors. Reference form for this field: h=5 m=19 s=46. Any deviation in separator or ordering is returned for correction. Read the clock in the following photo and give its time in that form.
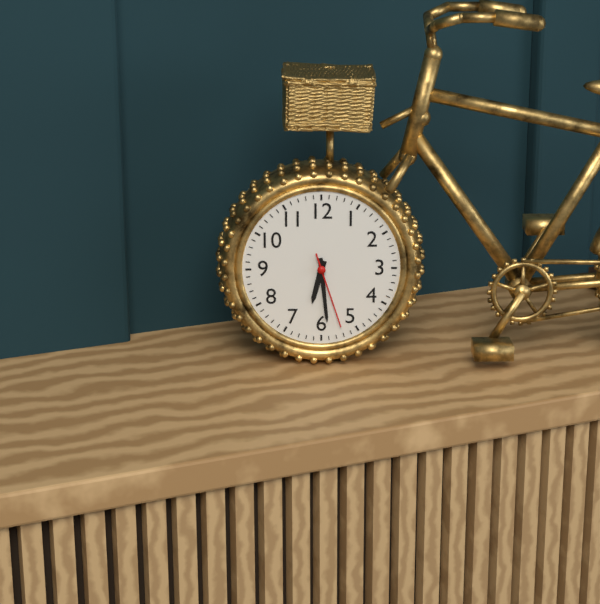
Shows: h=6 m=29 s=27
